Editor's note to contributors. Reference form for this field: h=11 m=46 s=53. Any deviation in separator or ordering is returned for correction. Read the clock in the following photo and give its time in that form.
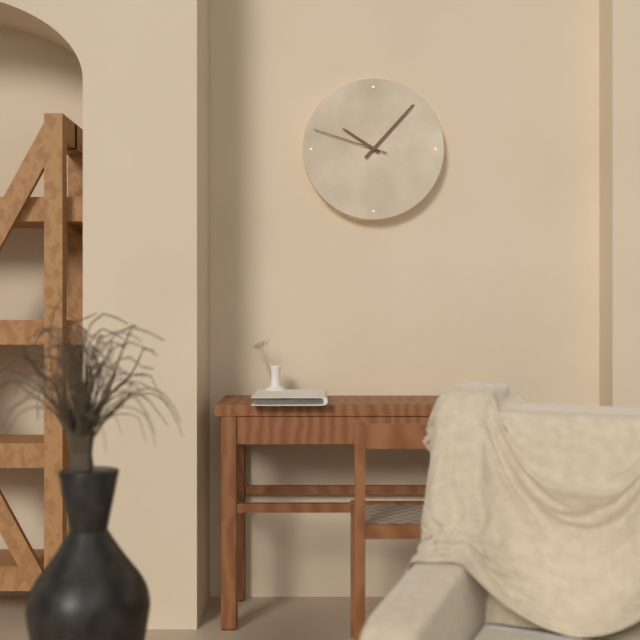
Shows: h=10 m=7 s=48
